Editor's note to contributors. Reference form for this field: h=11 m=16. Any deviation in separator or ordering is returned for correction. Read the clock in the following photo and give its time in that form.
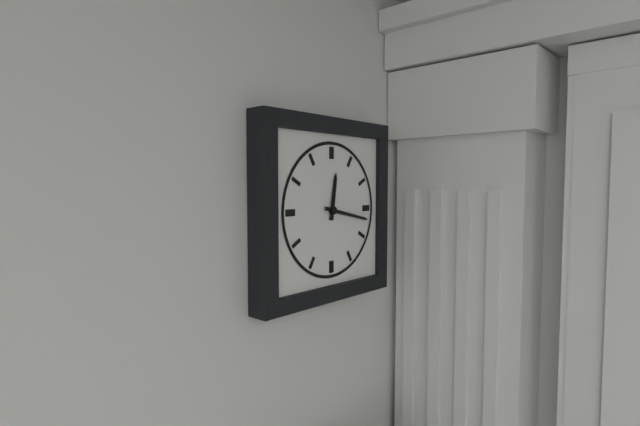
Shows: h=12 m=17
